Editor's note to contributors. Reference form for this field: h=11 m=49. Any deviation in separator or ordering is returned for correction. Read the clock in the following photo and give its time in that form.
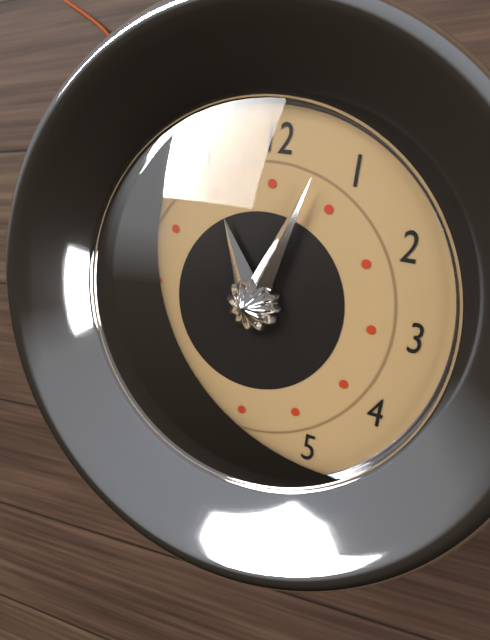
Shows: h=11 m=3
